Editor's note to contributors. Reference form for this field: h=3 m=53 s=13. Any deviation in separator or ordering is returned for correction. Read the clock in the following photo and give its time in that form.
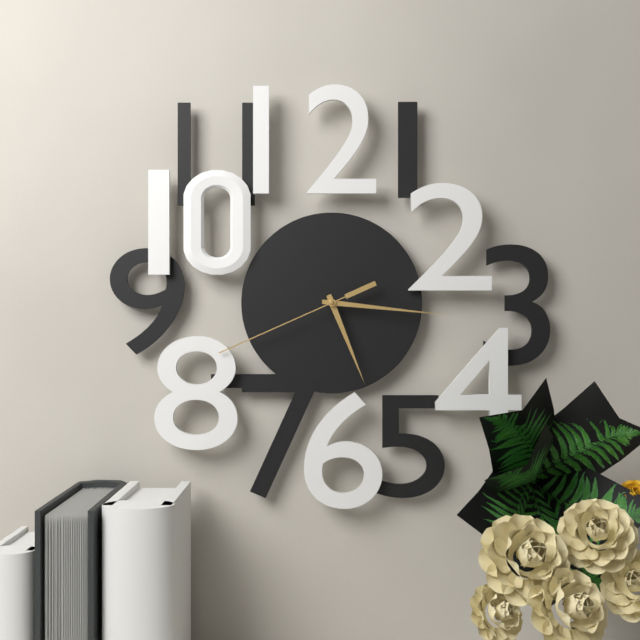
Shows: h=5 m=16 s=41
